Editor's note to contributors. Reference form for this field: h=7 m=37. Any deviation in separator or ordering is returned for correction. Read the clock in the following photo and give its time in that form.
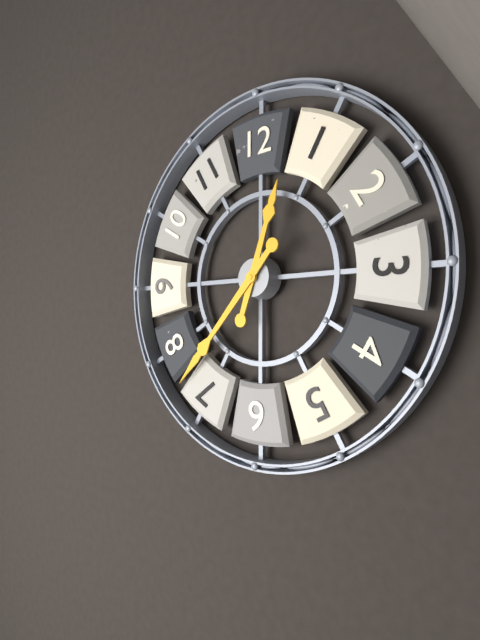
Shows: h=12 m=37
